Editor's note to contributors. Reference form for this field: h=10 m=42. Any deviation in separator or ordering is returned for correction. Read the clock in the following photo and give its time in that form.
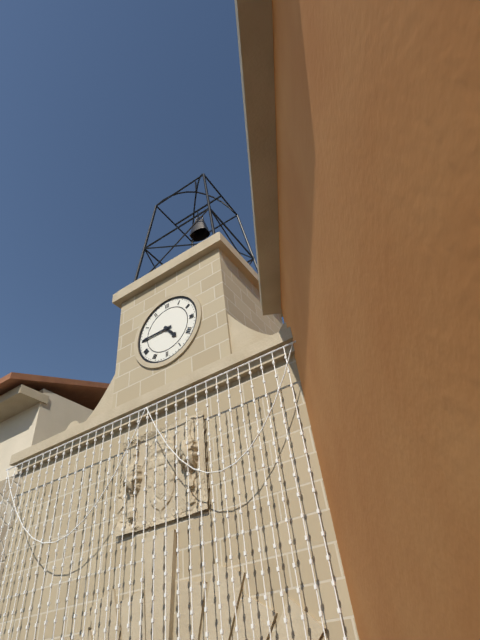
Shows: h=4 m=45
